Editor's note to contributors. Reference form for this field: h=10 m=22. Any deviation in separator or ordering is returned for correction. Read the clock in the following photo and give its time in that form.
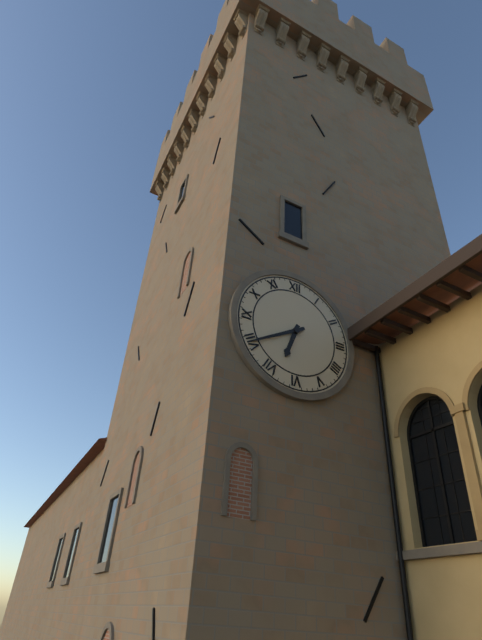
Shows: h=6 m=40
